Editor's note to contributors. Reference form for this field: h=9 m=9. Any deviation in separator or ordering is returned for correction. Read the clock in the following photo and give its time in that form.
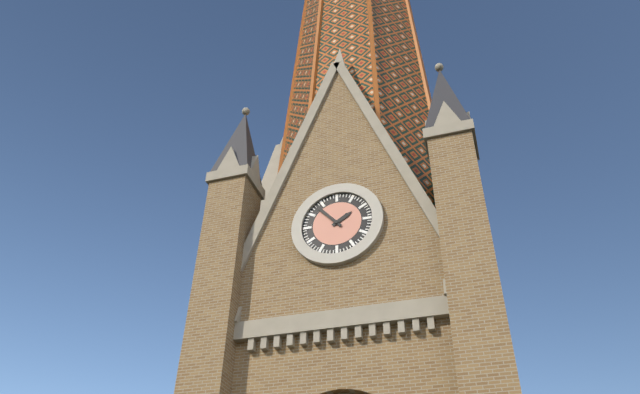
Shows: h=1 m=53
